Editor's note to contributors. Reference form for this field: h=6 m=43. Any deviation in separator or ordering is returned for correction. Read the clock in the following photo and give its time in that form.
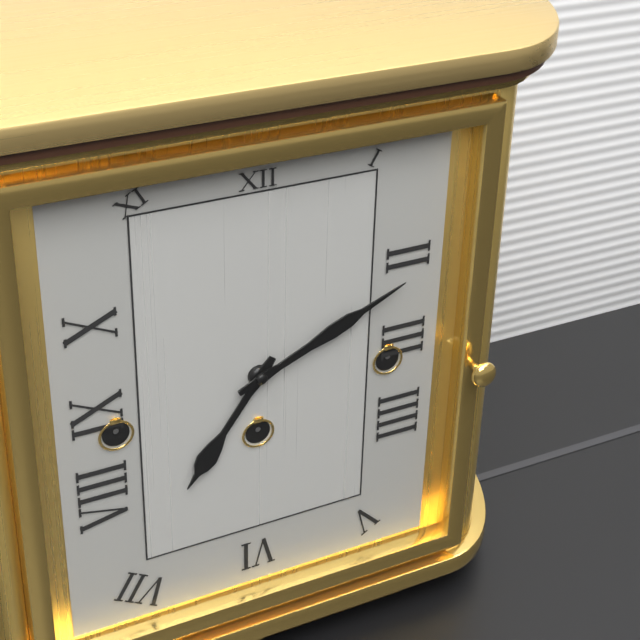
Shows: h=7 m=11
